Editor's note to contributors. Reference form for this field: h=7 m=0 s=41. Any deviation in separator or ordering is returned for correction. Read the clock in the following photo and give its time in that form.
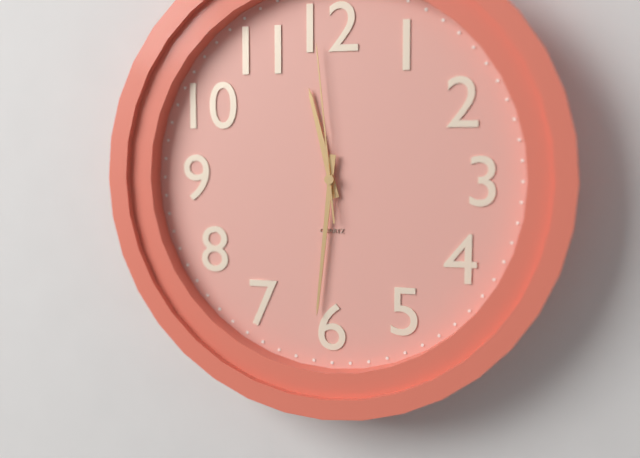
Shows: h=11 m=31 s=59
